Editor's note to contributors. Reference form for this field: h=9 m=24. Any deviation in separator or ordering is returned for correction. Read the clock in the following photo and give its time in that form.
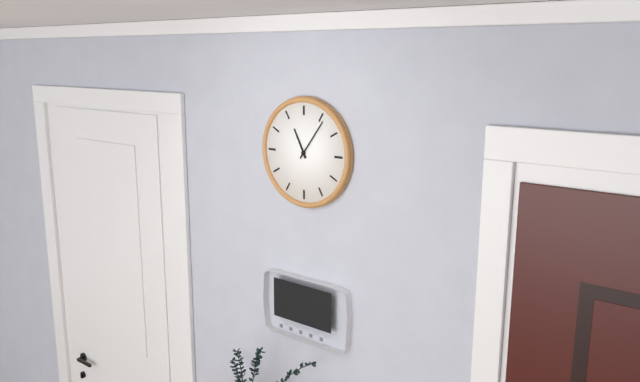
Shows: h=11 m=6
